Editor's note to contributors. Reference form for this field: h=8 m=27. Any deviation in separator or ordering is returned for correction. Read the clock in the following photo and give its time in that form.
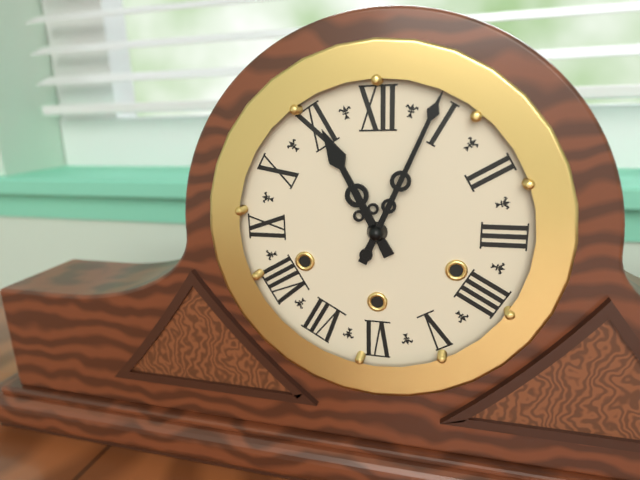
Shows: h=11 m=4
